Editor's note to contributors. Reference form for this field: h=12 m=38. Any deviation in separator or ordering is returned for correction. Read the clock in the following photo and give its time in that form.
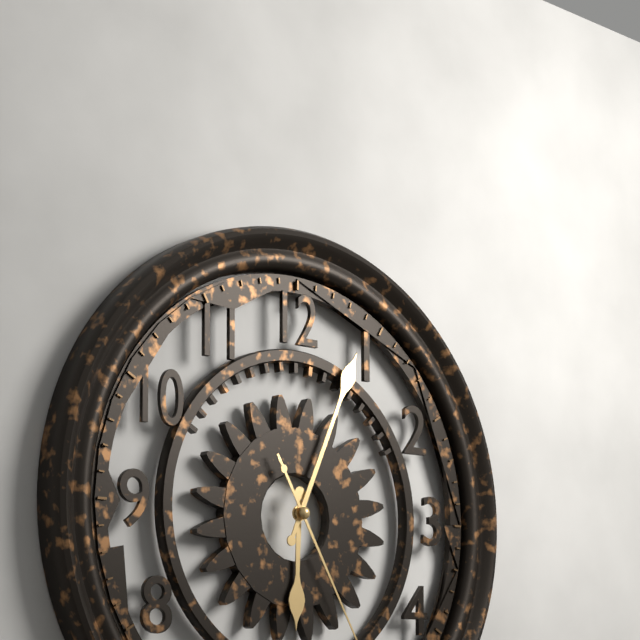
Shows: h=6 m=4
